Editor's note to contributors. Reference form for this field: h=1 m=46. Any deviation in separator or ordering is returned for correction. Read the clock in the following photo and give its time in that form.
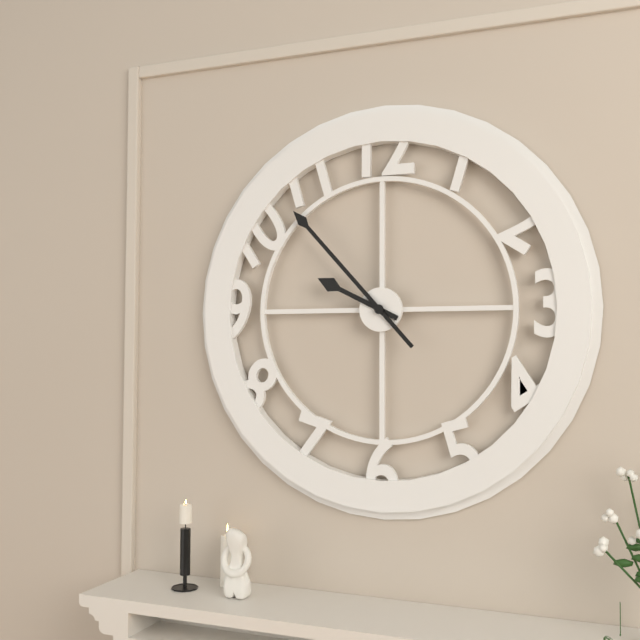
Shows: h=9 m=53
